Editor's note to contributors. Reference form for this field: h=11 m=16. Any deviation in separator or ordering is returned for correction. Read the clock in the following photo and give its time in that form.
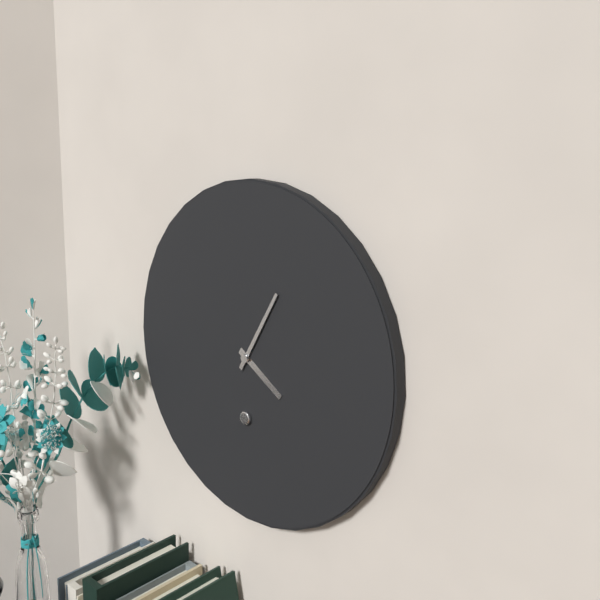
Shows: h=4 m=5
